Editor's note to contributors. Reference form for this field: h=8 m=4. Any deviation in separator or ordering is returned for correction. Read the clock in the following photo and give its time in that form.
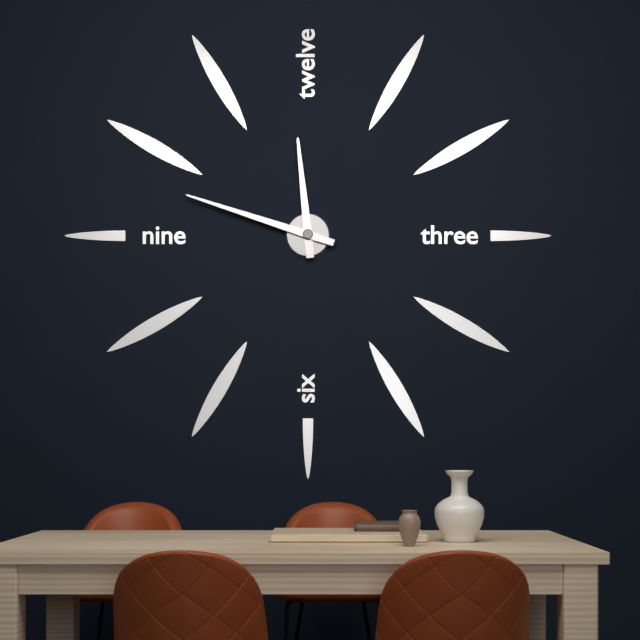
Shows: h=11 m=48
